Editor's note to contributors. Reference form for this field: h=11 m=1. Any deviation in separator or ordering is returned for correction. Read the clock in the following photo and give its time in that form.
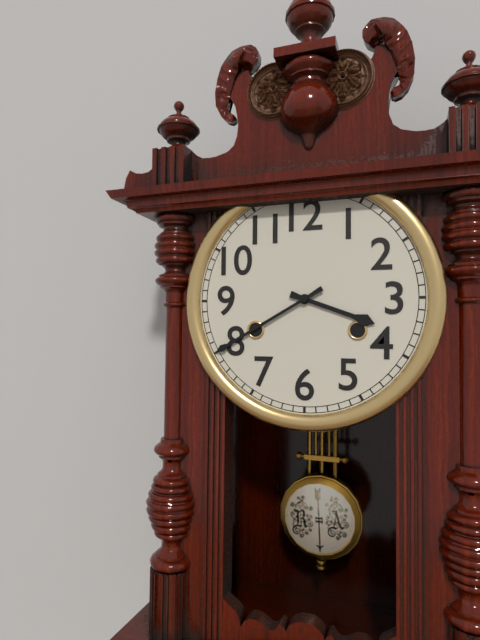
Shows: h=3 m=40
